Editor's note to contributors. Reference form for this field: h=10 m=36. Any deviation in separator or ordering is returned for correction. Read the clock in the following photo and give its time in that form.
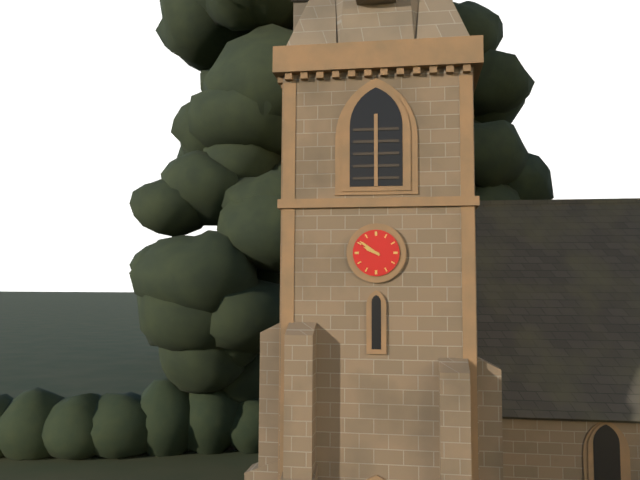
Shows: h=9 m=51
